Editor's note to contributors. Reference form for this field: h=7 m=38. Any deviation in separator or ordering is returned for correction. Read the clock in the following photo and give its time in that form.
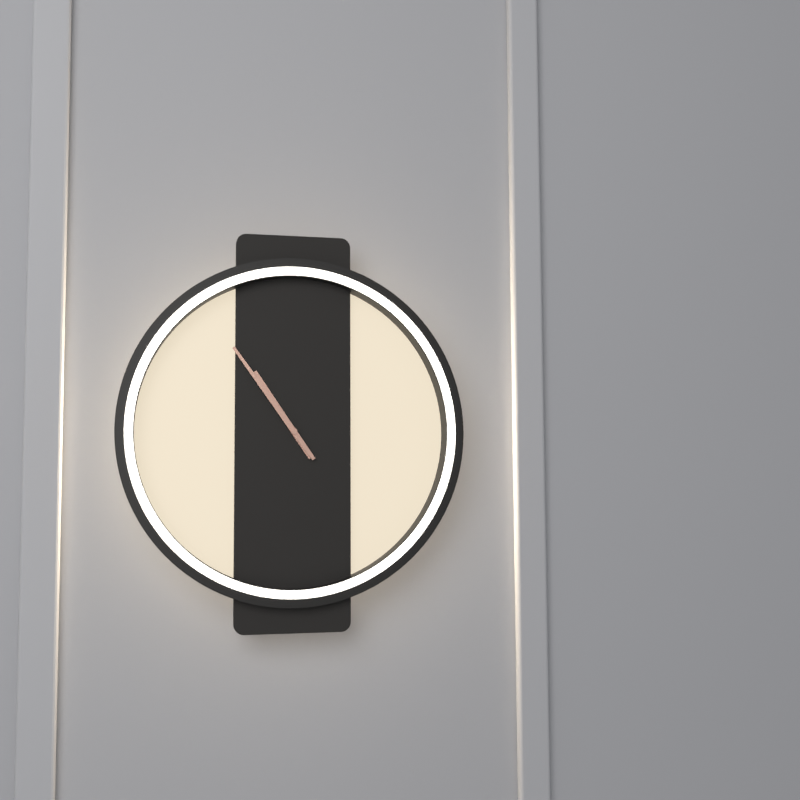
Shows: h=10 m=54
